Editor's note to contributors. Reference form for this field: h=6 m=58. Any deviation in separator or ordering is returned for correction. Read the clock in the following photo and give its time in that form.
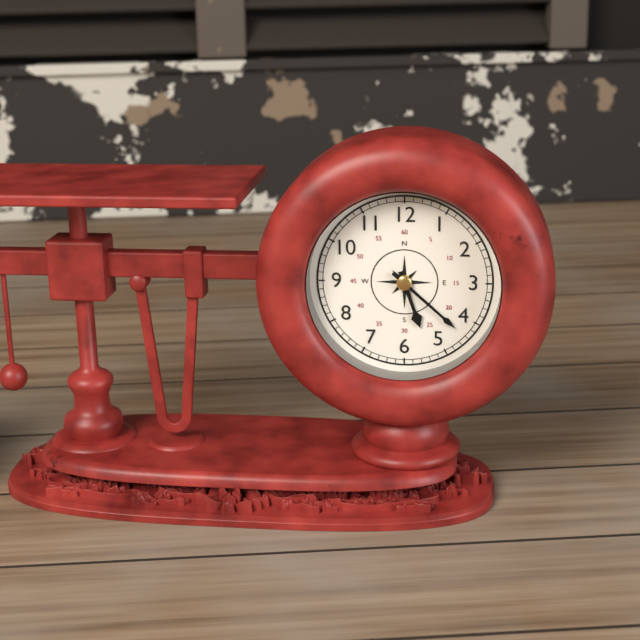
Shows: h=5 m=22
